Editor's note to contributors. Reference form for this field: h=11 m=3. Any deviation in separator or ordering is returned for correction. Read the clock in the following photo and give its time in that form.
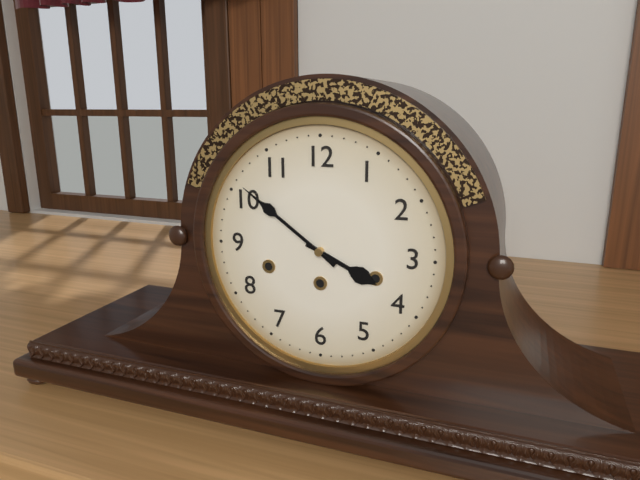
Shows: h=3 m=51
